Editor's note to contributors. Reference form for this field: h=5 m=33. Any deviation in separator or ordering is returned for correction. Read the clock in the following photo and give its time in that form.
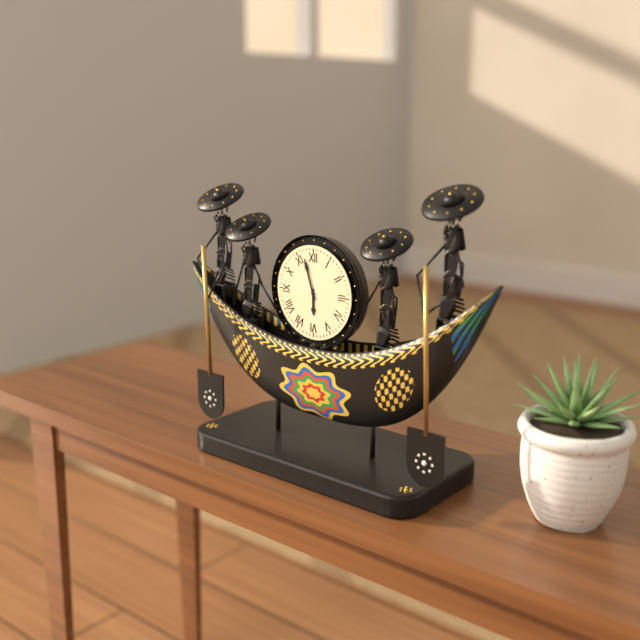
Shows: h=5 m=57
